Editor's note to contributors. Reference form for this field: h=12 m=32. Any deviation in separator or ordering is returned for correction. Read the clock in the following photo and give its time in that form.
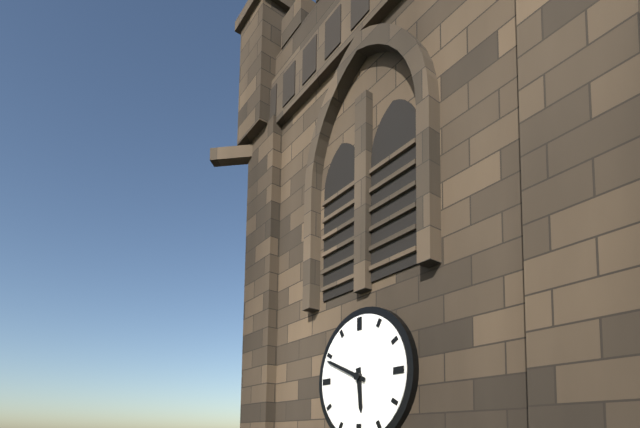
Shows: h=5 m=49
